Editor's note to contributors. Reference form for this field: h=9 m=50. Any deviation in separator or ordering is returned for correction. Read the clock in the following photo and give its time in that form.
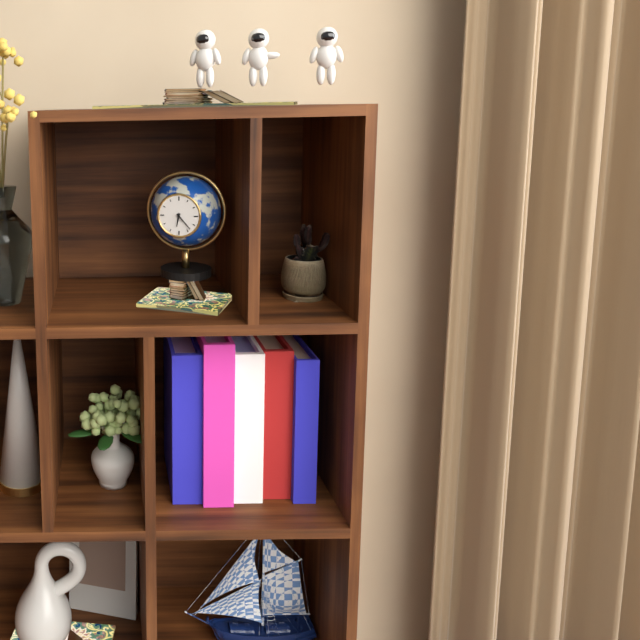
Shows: h=6 m=23
